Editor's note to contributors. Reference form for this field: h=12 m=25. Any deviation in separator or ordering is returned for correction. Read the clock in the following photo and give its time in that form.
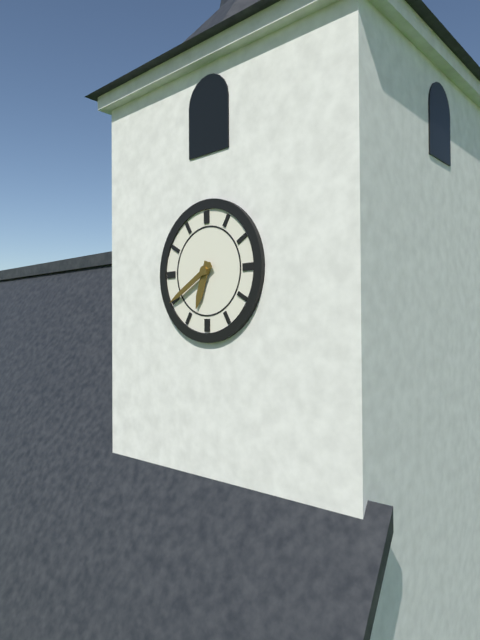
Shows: h=6 m=40
